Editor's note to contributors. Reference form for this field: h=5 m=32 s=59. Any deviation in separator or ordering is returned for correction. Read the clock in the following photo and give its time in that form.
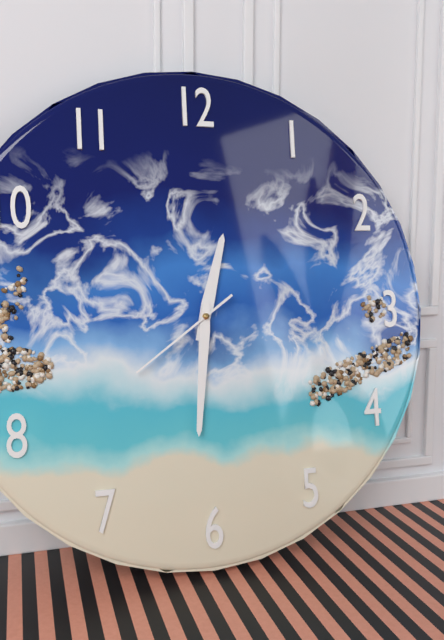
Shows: h=12 m=31 s=39
